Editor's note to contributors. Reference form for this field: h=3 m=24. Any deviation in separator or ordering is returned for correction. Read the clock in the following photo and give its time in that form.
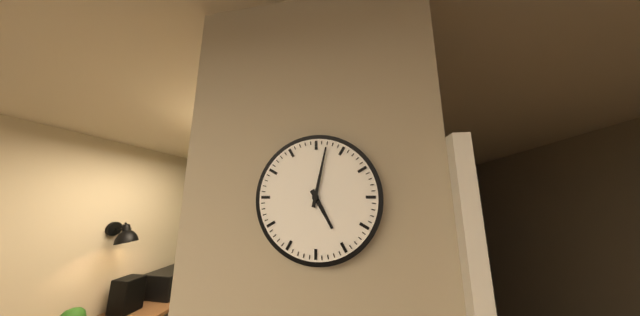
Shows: h=5 m=2
